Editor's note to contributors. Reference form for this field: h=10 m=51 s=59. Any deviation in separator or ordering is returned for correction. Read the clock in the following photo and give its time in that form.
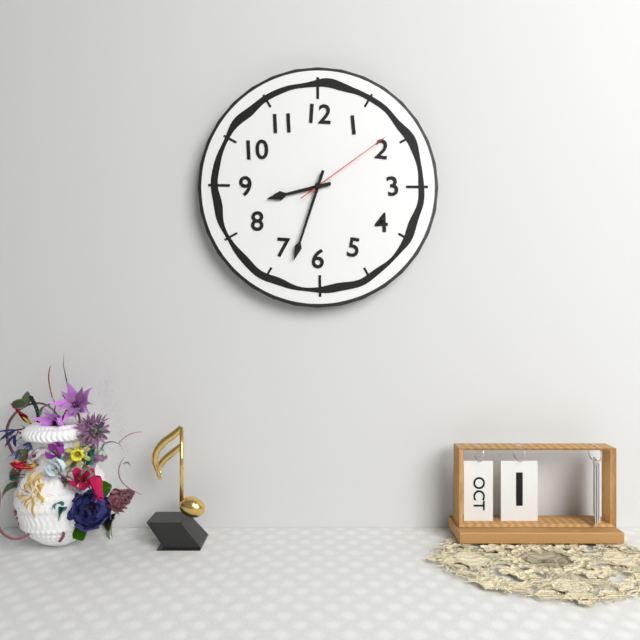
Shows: h=8 m=33 s=9
